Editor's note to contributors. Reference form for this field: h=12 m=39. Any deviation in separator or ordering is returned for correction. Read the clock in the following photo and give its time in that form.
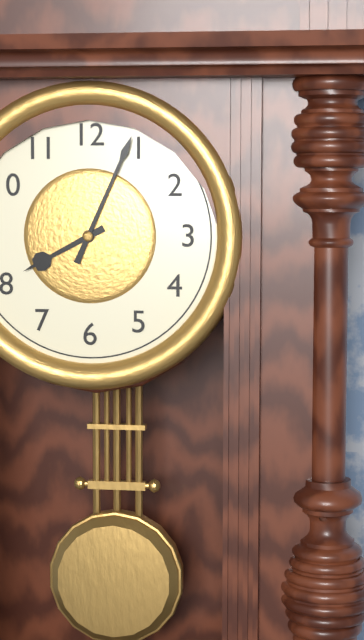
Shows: h=8 m=4
